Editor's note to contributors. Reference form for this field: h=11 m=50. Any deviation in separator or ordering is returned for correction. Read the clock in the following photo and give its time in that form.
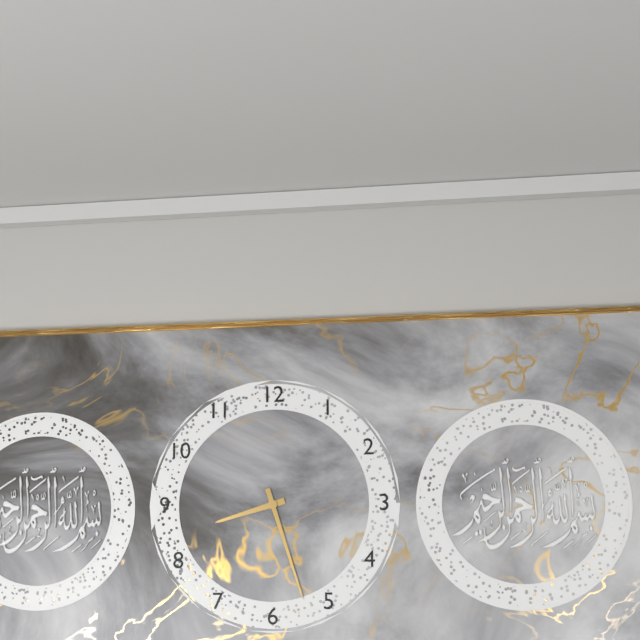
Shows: h=8 m=27
